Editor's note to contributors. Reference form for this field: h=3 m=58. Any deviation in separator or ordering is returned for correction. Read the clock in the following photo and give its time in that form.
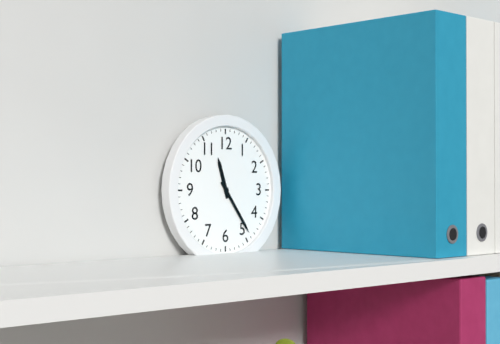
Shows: h=11 m=24
